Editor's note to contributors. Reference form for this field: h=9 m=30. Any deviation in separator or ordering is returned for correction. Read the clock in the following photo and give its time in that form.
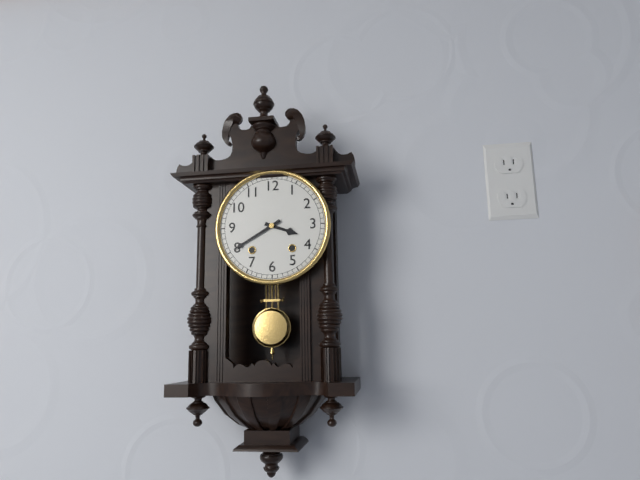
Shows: h=3 m=40
